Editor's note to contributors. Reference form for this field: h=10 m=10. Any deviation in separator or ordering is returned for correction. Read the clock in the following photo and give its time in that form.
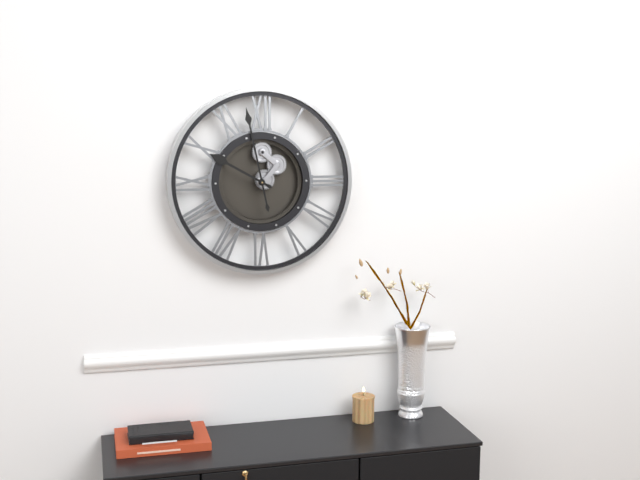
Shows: h=9 m=58
